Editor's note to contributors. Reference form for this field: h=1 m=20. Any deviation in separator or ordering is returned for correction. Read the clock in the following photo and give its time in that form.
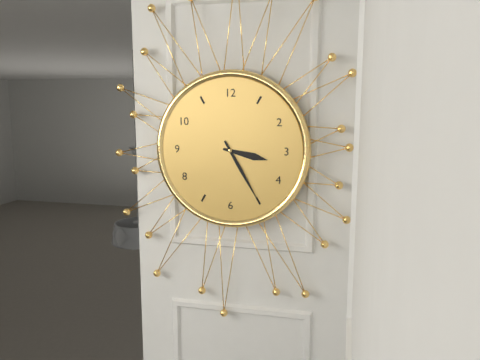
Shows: h=3 m=25
